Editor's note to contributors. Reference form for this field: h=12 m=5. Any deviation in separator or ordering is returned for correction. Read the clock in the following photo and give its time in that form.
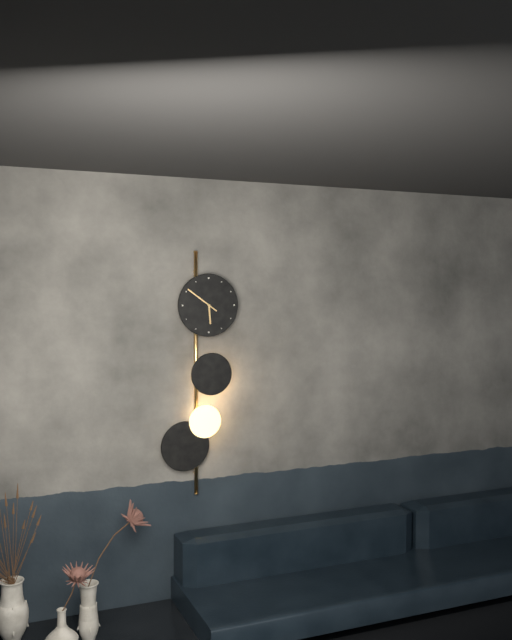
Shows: h=5 m=51
